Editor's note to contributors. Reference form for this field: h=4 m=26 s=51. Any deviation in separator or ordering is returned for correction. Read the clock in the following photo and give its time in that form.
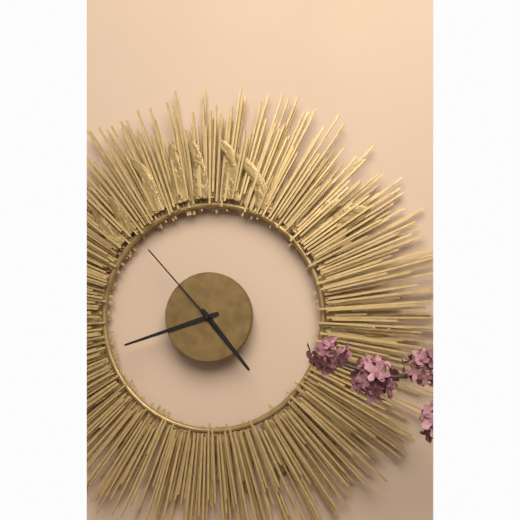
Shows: h=4 m=42 s=53
